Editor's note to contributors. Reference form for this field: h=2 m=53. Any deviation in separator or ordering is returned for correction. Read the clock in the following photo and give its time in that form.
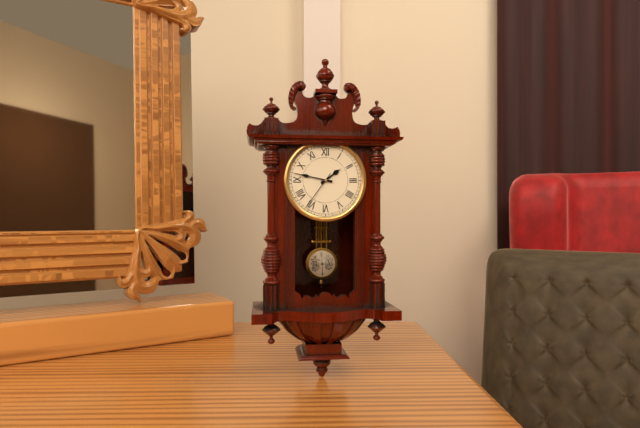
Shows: h=1 m=47
